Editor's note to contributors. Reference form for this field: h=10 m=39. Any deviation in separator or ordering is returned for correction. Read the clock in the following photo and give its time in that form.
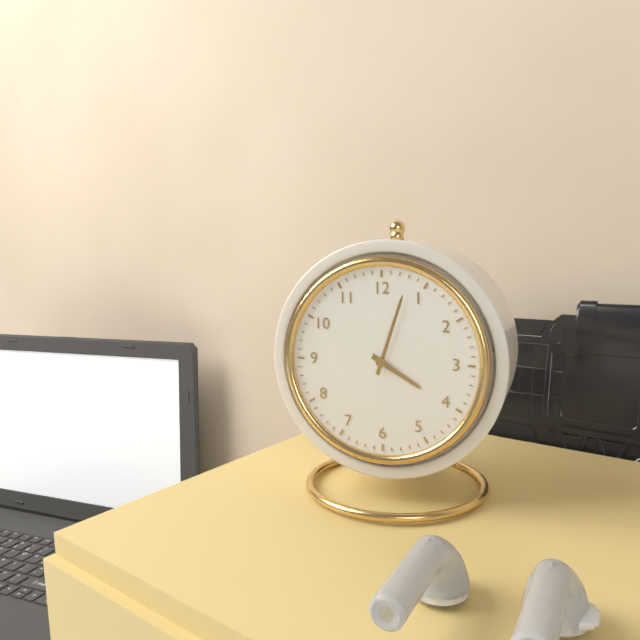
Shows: h=4 m=3
